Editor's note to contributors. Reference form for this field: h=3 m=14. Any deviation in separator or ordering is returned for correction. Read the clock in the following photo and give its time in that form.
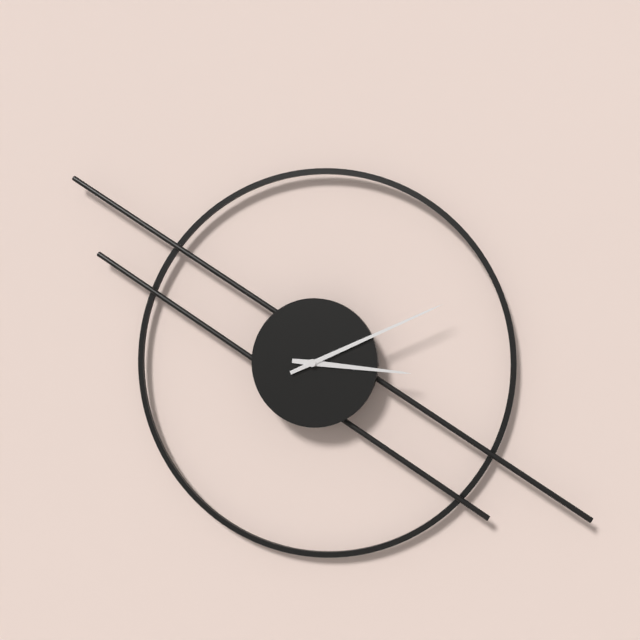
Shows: h=3 m=11
